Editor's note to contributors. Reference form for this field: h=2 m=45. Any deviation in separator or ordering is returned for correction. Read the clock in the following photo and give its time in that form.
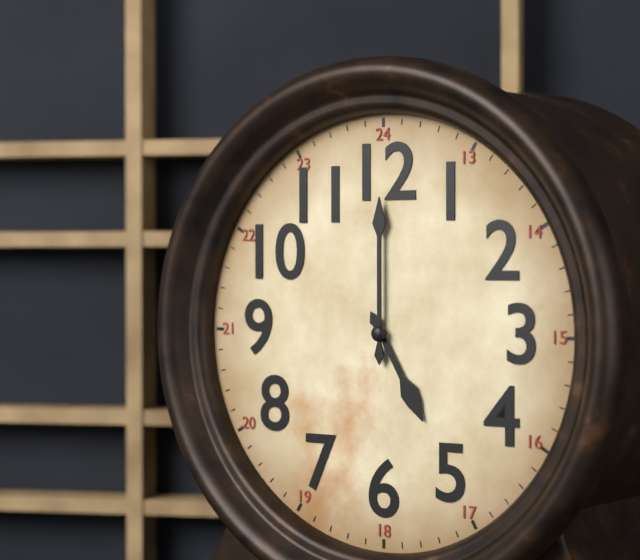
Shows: h=5 m=0
